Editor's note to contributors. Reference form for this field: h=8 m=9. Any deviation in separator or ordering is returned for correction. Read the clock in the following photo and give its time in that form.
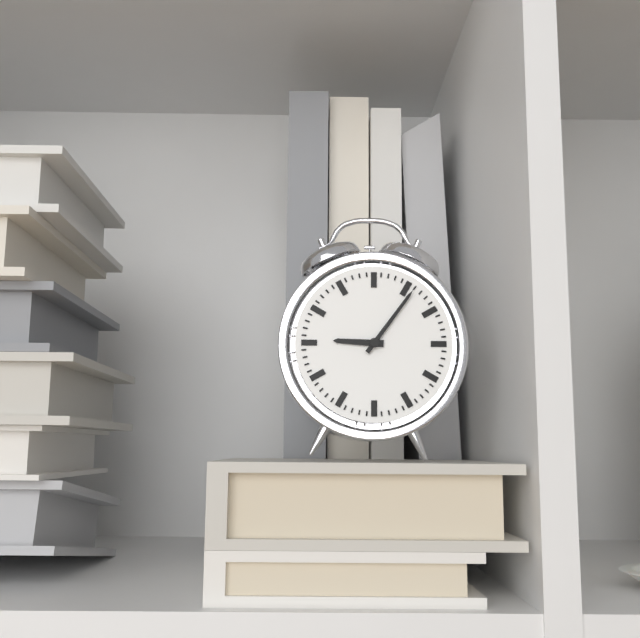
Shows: h=9 m=6
